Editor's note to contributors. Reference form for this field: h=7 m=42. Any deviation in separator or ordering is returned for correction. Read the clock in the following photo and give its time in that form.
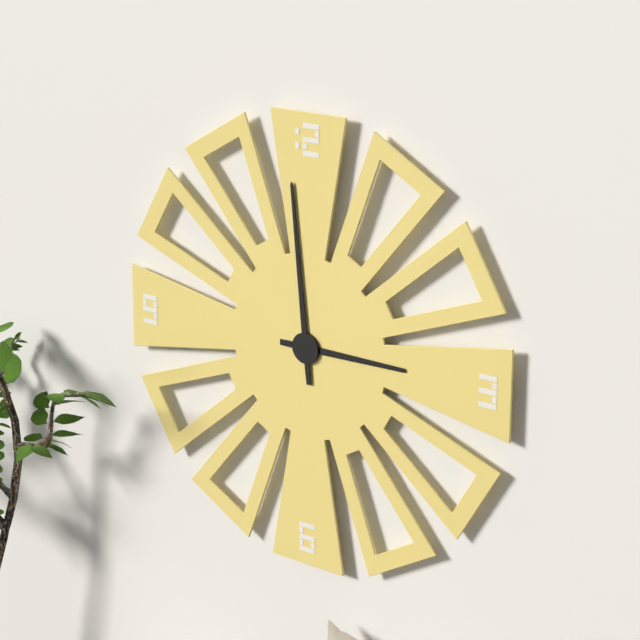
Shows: h=2 m=59
